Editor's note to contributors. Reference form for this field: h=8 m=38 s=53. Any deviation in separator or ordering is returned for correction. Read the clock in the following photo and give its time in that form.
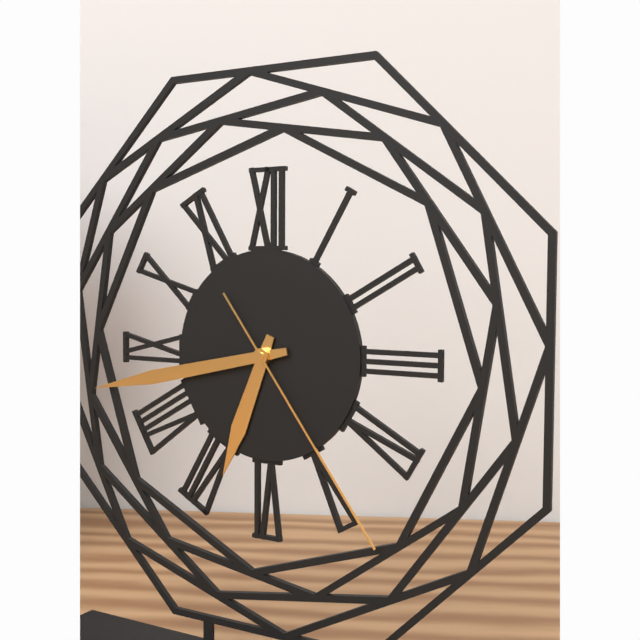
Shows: h=6 m=43 s=24
